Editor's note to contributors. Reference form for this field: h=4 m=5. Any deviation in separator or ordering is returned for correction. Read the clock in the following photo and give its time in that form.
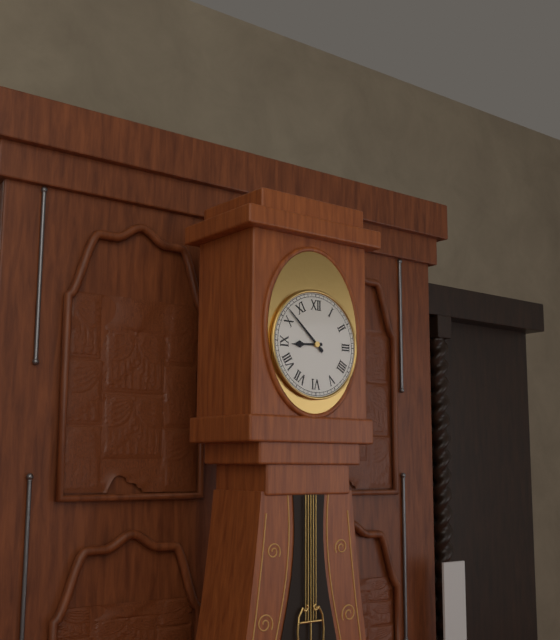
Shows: h=8 m=52
